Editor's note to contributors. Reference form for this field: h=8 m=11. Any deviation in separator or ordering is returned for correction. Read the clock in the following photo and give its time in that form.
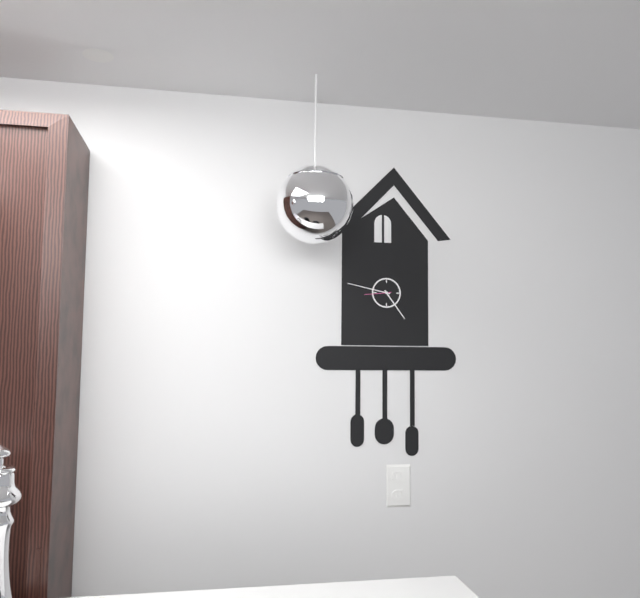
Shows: h=4 m=47
